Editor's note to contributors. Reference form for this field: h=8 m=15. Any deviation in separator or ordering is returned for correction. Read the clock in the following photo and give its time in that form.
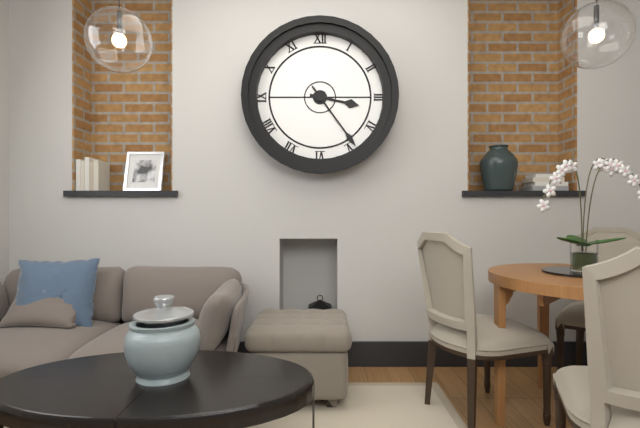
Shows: h=3 m=24
